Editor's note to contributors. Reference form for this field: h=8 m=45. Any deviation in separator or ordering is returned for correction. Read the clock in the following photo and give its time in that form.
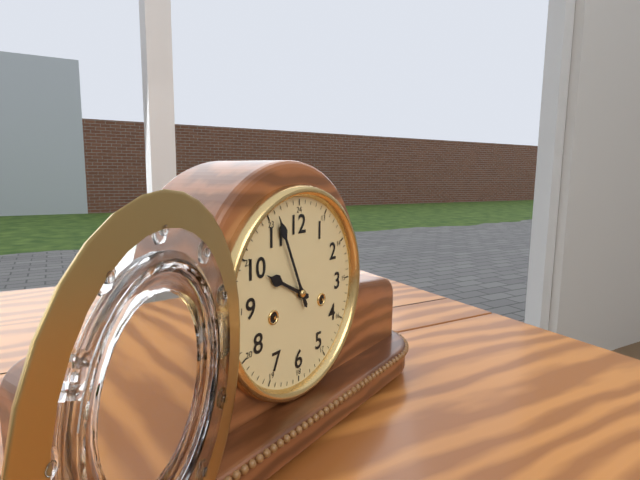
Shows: h=9 m=56
